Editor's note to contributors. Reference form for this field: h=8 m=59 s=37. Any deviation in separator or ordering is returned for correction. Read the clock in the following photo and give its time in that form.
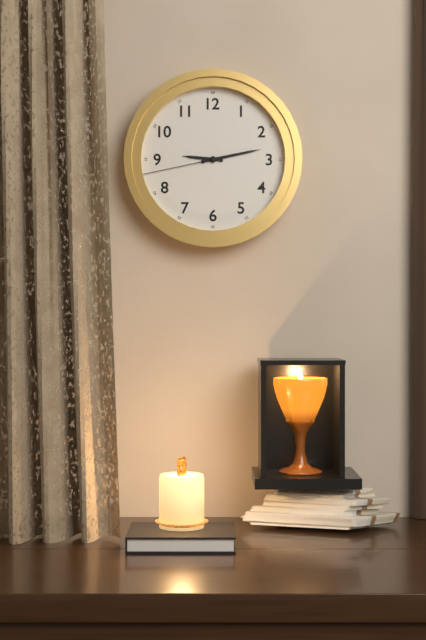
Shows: h=9 m=13 s=43
